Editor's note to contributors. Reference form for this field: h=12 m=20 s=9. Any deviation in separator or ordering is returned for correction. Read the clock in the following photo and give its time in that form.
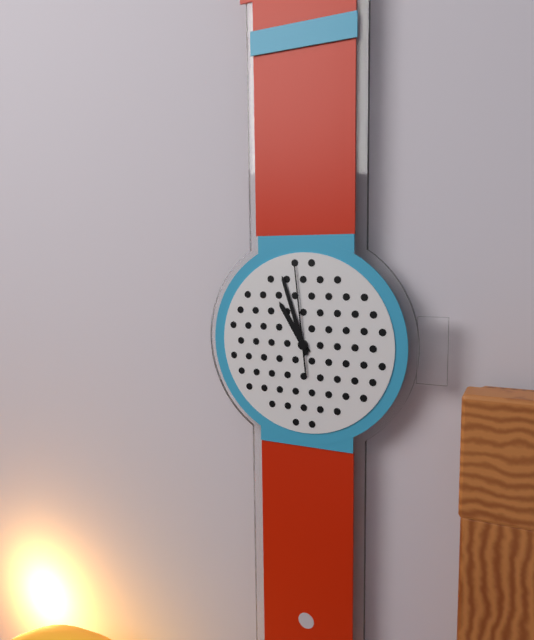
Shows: h=10 m=57 s=59
